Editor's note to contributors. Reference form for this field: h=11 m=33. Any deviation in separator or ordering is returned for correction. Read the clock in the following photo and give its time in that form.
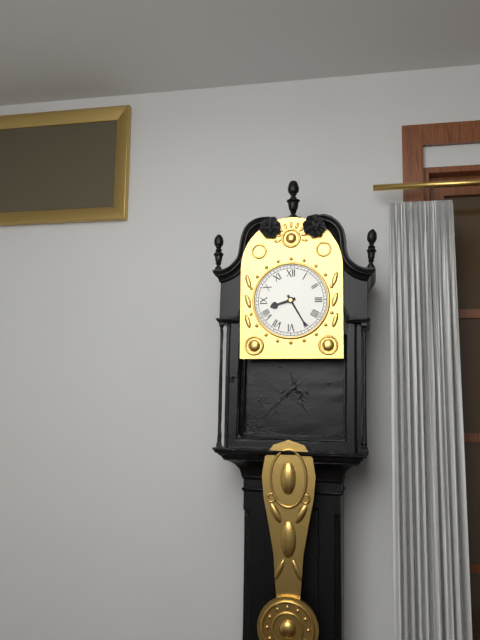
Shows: h=8 m=25
